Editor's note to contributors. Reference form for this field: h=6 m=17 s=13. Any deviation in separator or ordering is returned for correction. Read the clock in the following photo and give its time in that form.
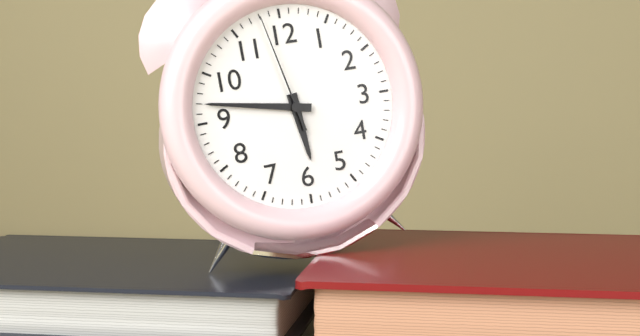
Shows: h=5 m=47 s=58
